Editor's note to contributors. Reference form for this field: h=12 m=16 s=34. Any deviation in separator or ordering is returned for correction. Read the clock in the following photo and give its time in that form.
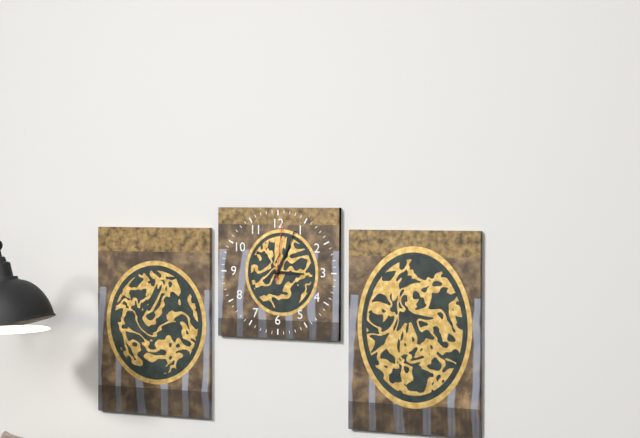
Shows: h=3 m=4 s=1
